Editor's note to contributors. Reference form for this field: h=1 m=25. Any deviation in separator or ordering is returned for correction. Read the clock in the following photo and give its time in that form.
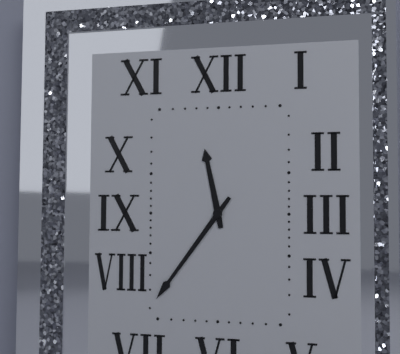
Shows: h=11 m=36
